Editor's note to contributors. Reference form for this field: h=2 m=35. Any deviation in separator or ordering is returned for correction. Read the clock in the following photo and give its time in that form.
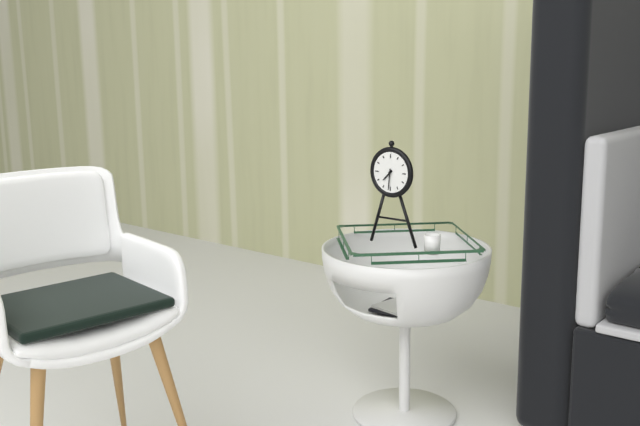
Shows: h=7 m=31
